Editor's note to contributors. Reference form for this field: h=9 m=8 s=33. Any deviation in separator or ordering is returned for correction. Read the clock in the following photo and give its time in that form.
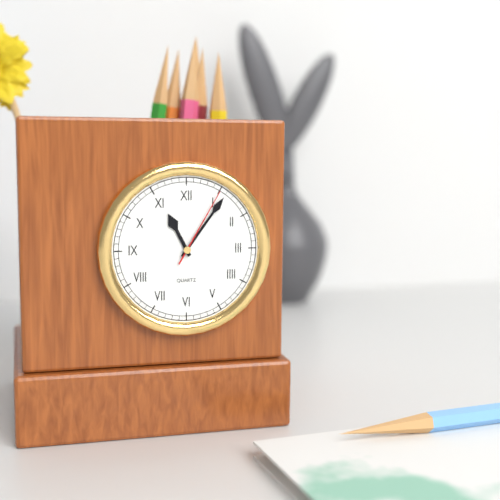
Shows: h=11 m=6 s=5
